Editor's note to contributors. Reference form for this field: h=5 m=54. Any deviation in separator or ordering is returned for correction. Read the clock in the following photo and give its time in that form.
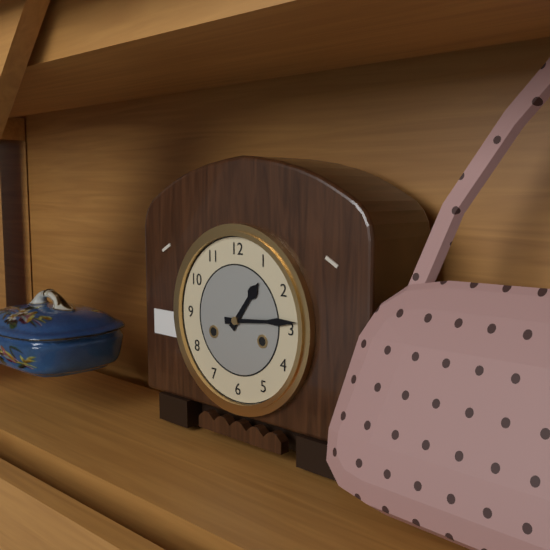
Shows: h=1 m=14
